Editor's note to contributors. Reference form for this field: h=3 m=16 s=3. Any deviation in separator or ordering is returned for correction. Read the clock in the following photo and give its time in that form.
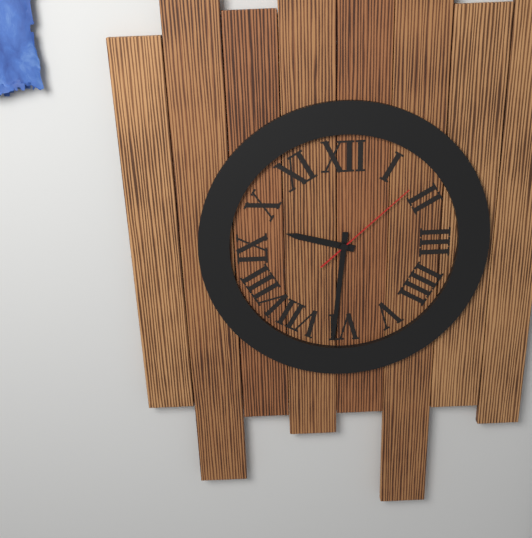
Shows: h=9 m=31 s=8
